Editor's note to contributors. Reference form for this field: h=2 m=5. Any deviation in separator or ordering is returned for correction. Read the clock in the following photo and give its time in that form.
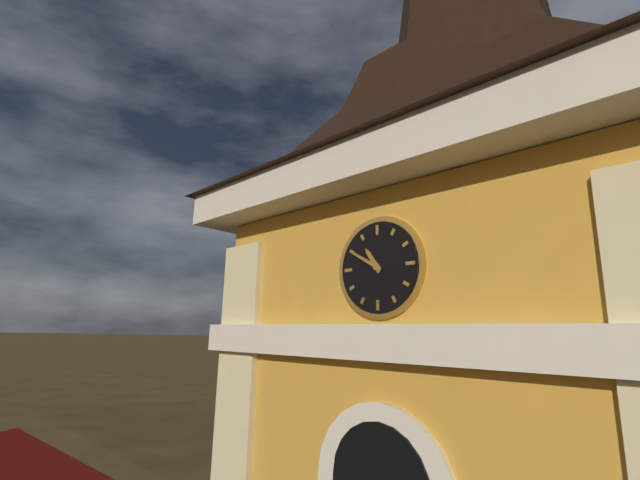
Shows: h=10 m=50
